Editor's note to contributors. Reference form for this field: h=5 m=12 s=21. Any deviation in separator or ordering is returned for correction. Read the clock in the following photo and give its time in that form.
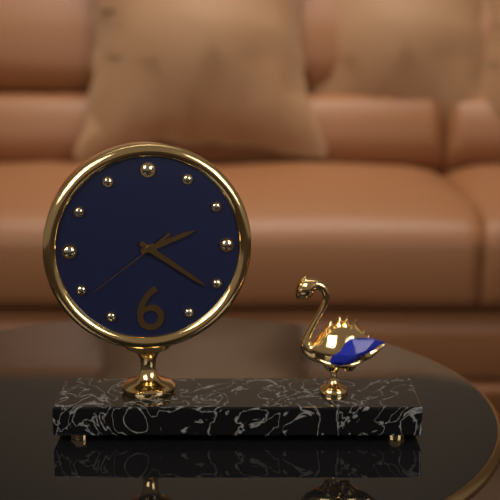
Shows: h=2 m=21 s=39
